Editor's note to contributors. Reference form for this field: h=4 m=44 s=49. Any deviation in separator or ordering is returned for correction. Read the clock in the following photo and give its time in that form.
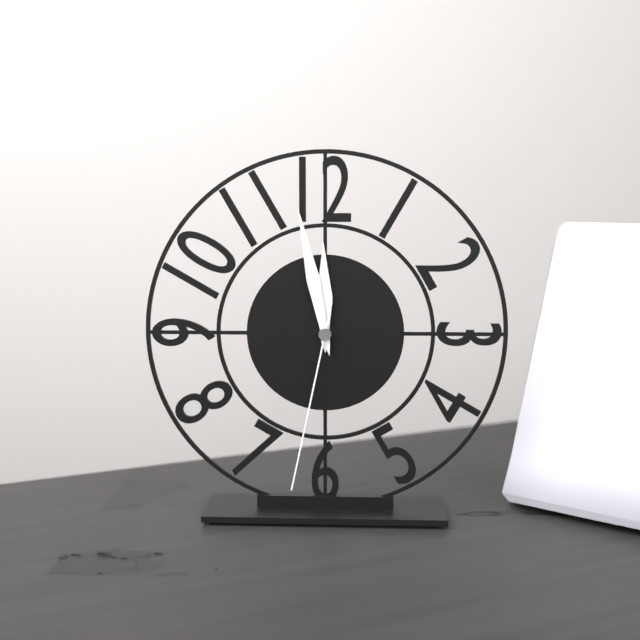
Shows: h=11 m=58 s=32
